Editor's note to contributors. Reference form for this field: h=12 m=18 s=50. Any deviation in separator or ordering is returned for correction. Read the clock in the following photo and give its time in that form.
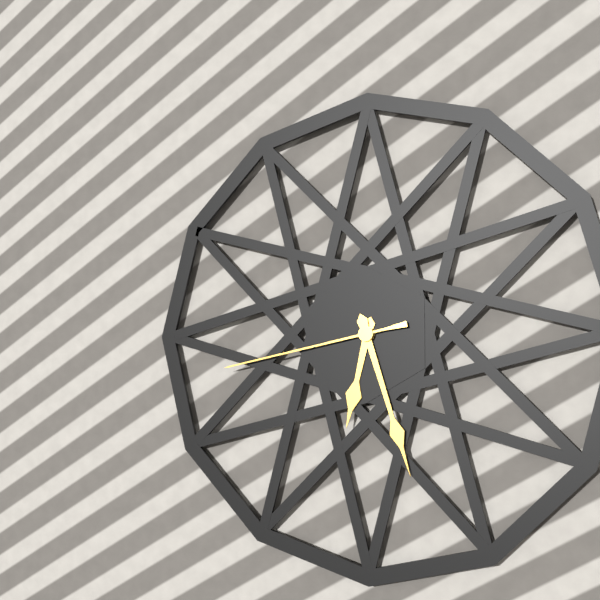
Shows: h=6 m=27 s=43
